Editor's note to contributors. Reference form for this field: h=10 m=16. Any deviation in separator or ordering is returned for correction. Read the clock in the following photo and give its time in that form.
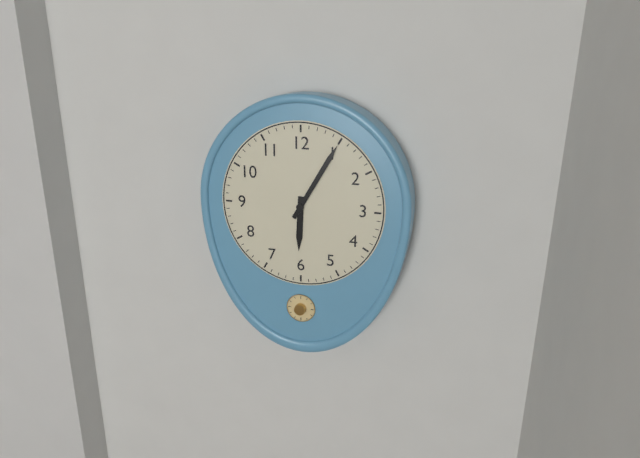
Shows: h=6 m=5
